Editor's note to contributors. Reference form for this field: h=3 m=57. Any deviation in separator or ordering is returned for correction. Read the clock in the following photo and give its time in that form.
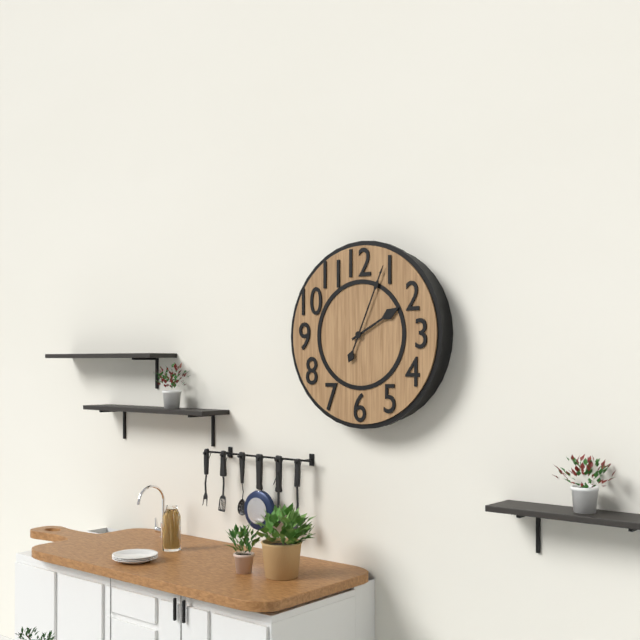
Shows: h=2 m=4
